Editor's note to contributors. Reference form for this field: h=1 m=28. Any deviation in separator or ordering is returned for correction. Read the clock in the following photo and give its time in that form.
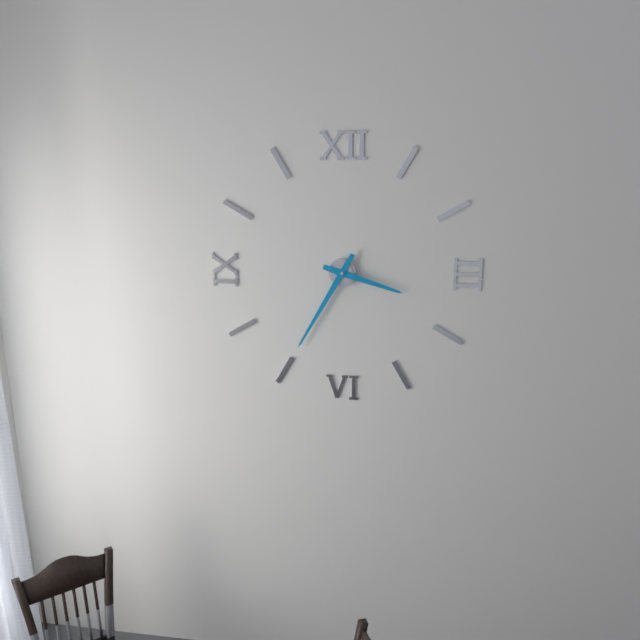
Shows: h=3 m=35
